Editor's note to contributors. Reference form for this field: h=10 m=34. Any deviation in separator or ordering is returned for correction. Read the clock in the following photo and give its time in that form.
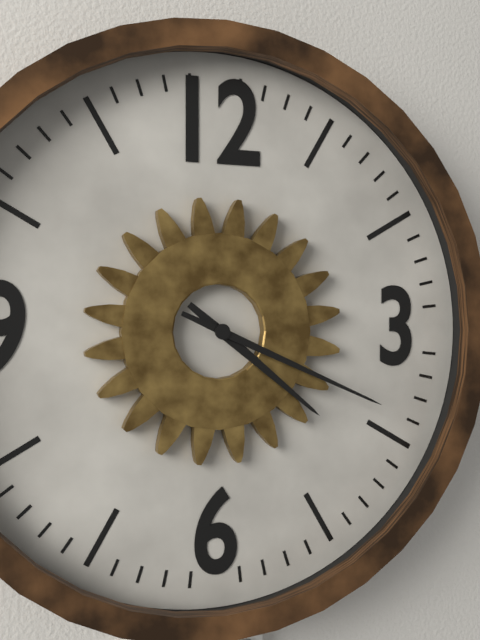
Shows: h=4 m=19
